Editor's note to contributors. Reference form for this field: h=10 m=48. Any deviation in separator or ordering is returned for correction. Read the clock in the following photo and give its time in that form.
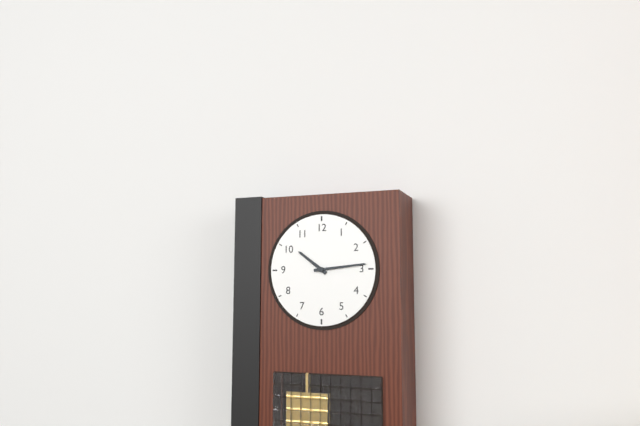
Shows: h=10 m=14
